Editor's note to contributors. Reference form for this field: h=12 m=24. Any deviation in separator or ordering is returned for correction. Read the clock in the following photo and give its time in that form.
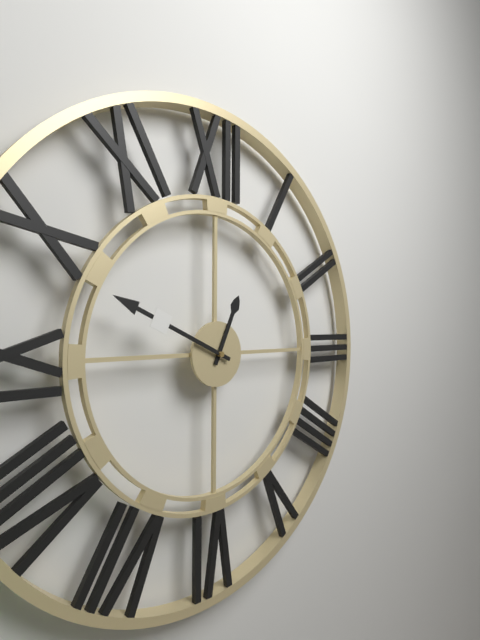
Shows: h=12 m=49
